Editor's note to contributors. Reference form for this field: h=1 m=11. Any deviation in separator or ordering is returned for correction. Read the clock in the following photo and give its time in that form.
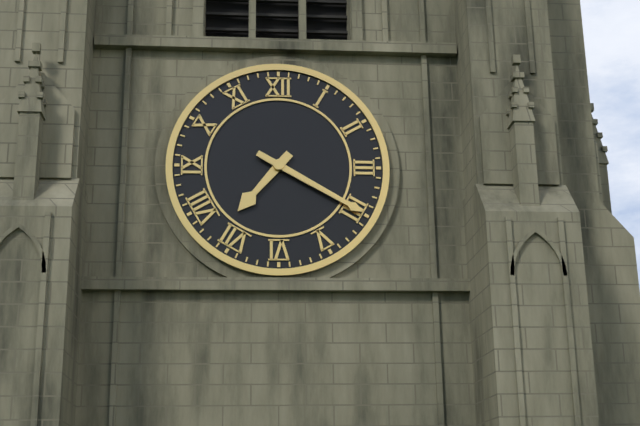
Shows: h=7 m=20
